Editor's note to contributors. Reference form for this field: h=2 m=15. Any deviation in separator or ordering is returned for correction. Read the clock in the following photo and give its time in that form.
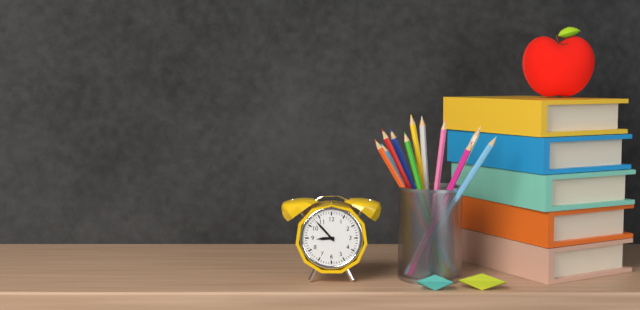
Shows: h=8 m=53
